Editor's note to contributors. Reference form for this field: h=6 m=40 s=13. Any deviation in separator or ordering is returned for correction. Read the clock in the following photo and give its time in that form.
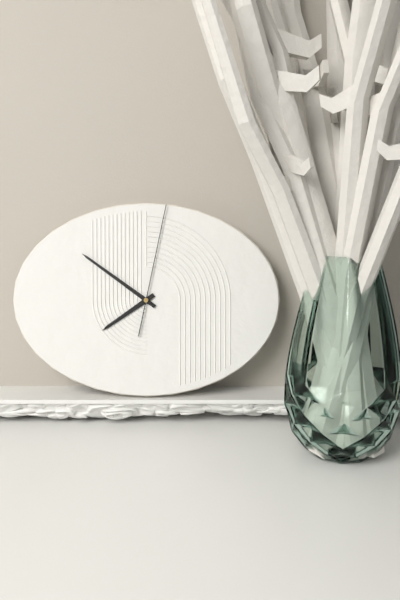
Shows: h=7 m=51 s=2
